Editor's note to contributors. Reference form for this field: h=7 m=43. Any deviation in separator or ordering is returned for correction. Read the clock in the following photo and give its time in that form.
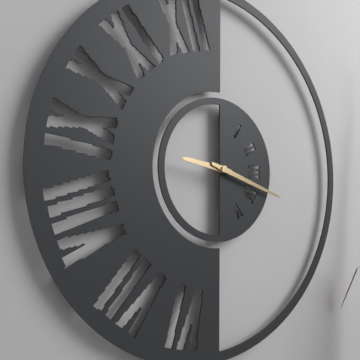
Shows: h=9 m=18
